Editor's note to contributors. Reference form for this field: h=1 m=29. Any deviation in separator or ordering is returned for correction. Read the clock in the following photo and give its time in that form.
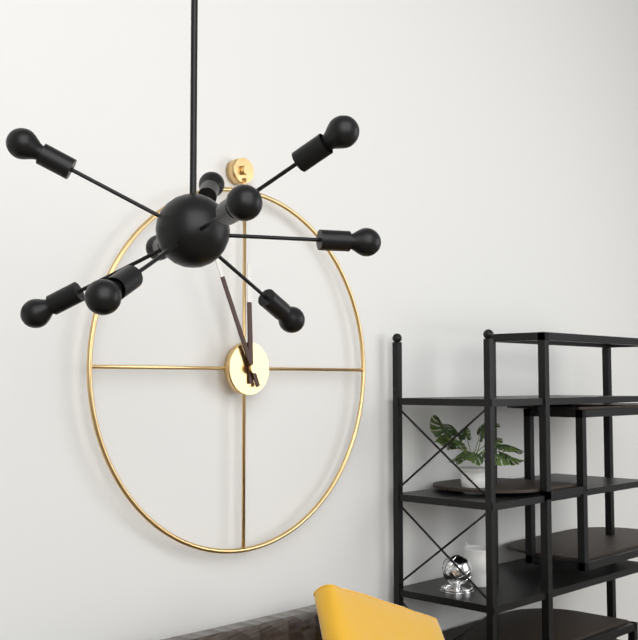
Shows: h=11 m=56
